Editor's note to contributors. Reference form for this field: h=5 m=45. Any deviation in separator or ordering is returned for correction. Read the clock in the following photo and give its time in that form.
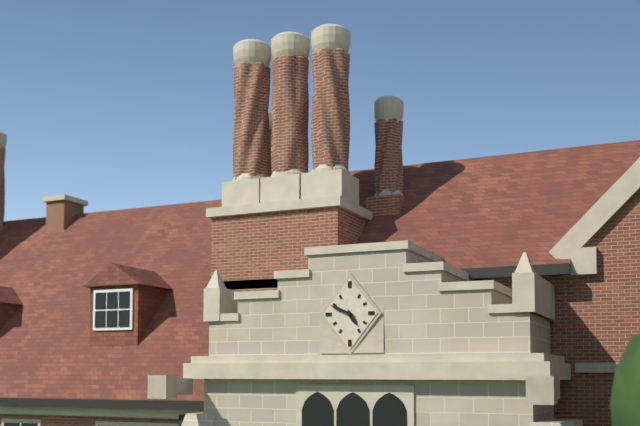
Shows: h=4 m=49
